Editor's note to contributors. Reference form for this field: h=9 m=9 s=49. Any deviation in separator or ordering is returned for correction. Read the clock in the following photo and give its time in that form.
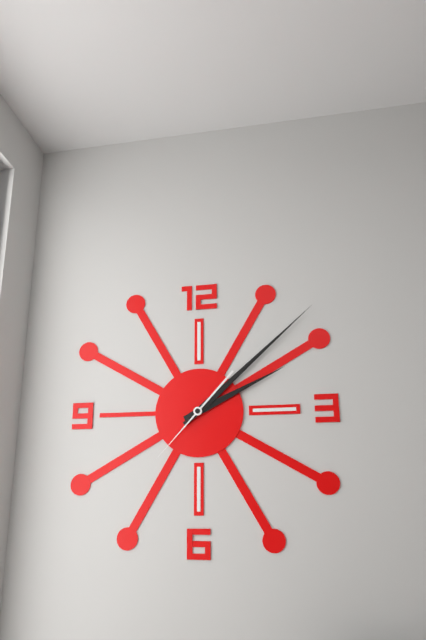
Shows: h=2 m=8 s=37
